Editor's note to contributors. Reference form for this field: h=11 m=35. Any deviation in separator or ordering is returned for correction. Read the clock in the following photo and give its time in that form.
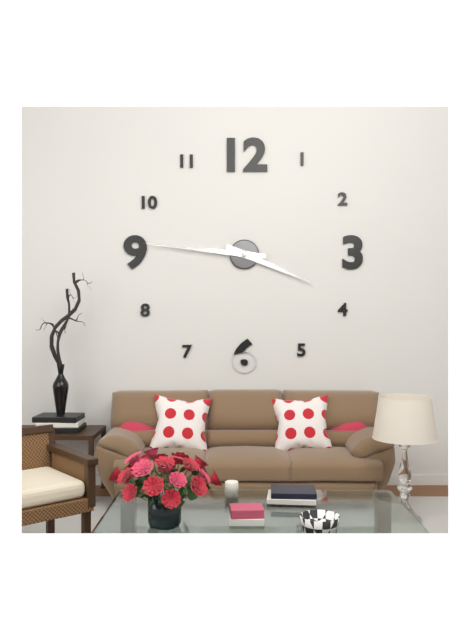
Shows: h=3 m=46
